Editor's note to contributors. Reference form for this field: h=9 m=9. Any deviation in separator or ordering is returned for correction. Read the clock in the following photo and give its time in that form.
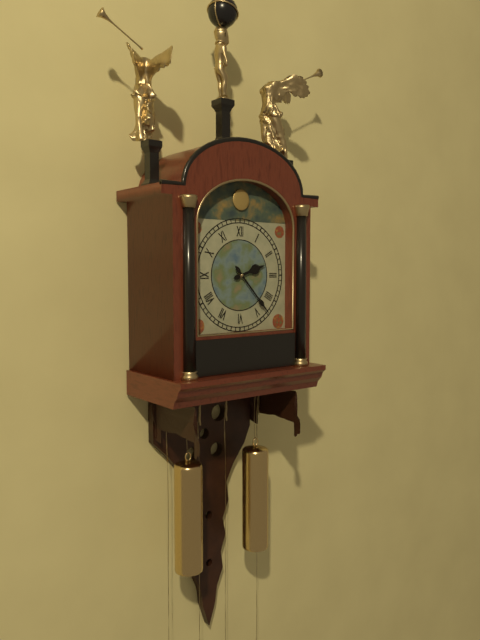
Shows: h=2 m=23
